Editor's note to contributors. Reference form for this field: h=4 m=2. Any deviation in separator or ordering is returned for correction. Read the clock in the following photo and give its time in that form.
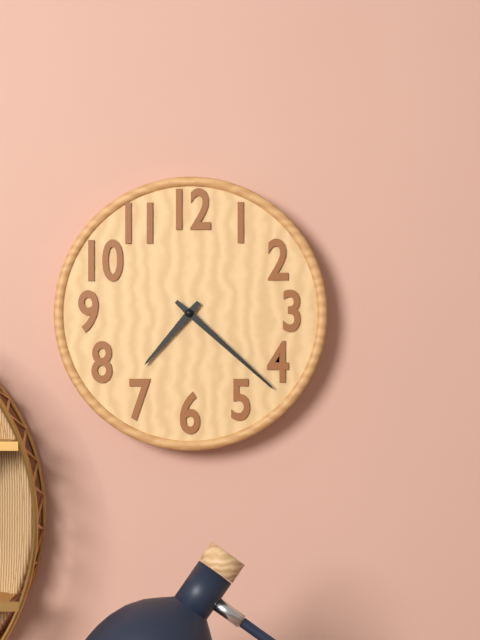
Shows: h=7 m=22
